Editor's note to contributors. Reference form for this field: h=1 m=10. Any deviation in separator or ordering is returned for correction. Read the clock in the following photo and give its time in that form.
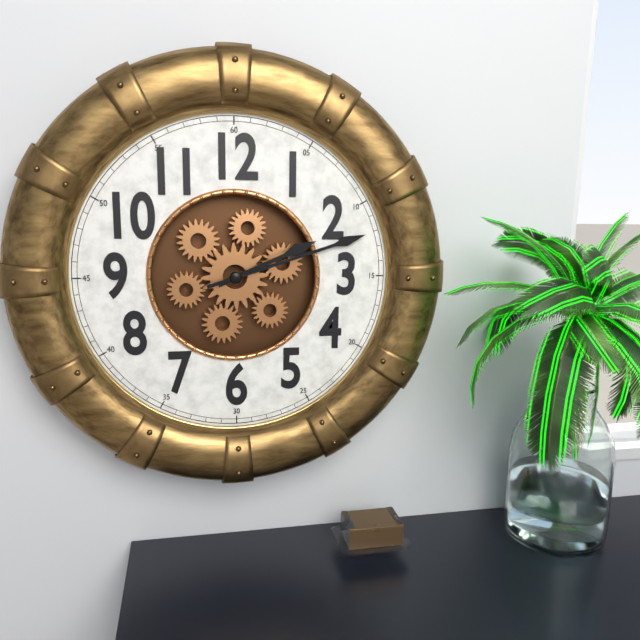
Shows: h=2 m=12
